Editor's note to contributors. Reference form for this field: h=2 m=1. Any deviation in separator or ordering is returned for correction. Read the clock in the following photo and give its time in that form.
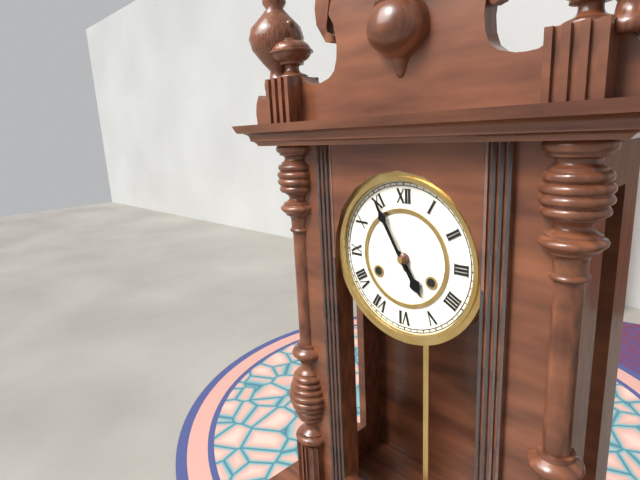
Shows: h=4 m=55
